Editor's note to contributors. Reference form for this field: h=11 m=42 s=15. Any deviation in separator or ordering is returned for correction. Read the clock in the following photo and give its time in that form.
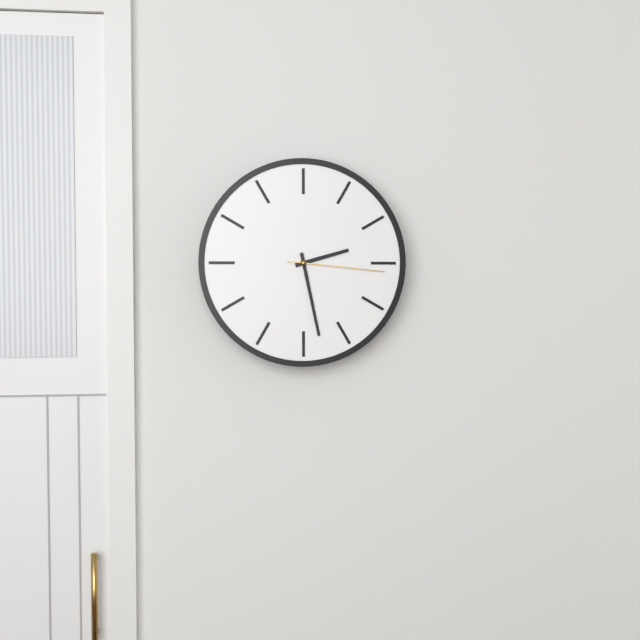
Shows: h=2 m=28 s=16
